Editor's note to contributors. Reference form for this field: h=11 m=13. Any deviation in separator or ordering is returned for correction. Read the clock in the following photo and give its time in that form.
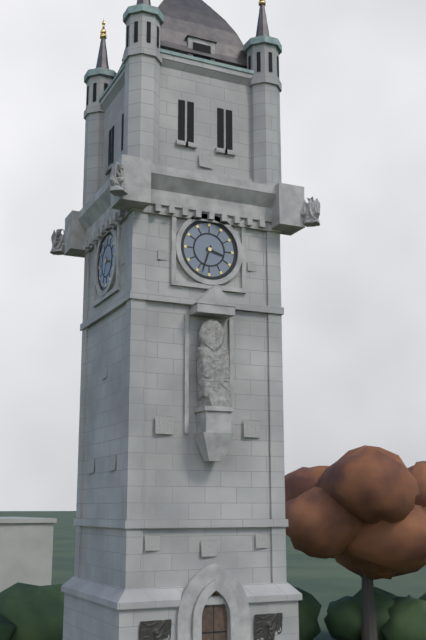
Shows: h=3 m=33
